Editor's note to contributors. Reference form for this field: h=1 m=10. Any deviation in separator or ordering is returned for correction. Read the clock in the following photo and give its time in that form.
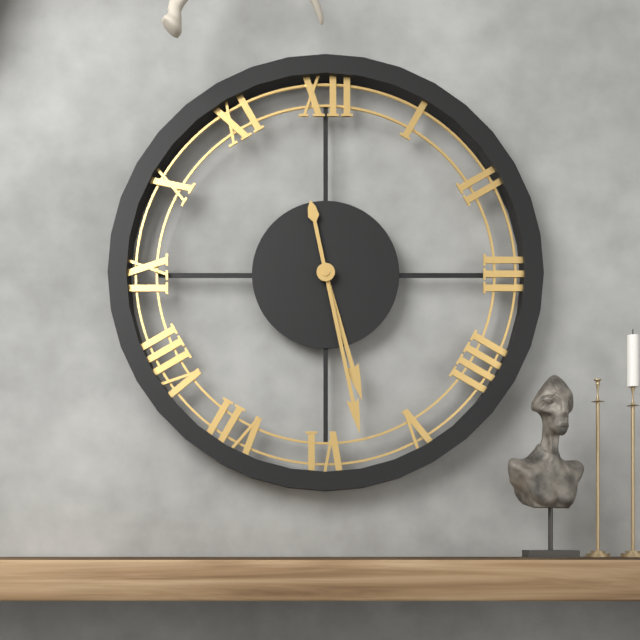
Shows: h=5 m=28
